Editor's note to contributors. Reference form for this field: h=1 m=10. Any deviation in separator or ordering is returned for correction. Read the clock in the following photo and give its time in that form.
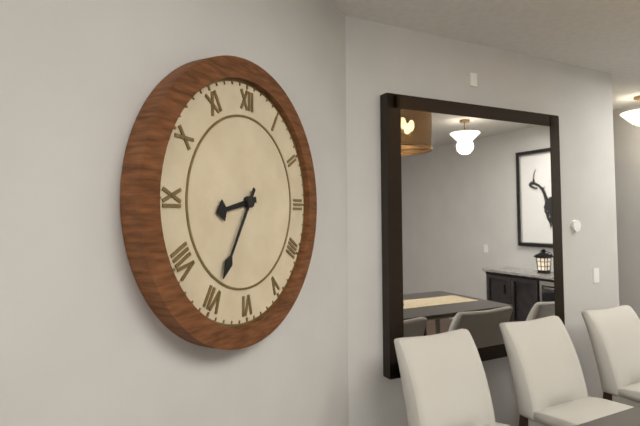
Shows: h=8 m=35
